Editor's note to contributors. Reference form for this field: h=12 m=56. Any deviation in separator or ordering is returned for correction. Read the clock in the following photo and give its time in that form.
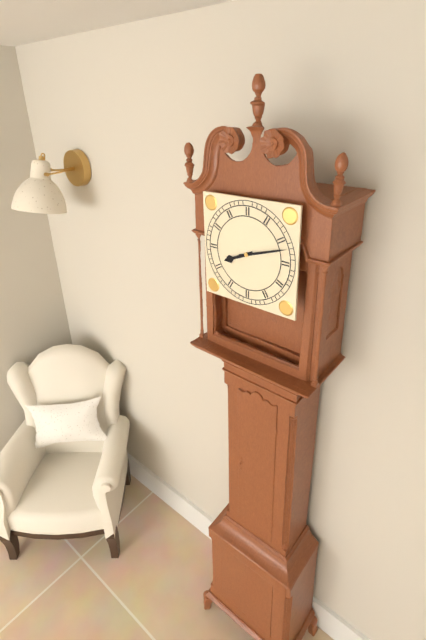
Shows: h=8 m=12
